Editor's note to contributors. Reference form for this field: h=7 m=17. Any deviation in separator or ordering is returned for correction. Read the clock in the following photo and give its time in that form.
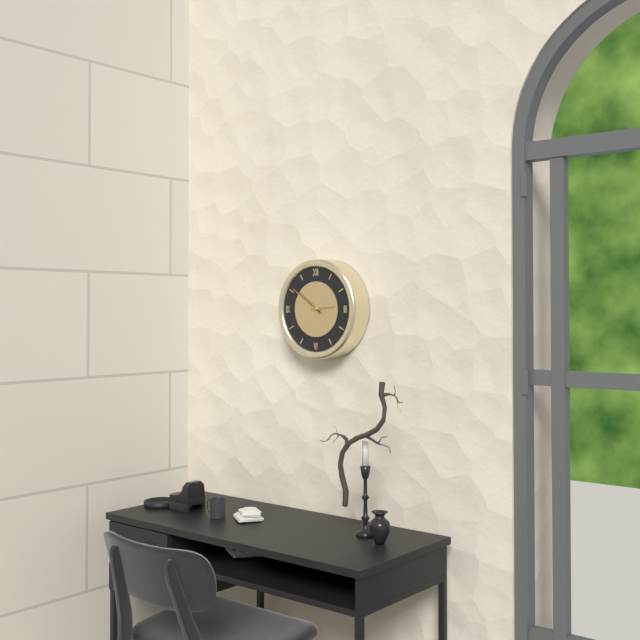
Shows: h=2 m=51
